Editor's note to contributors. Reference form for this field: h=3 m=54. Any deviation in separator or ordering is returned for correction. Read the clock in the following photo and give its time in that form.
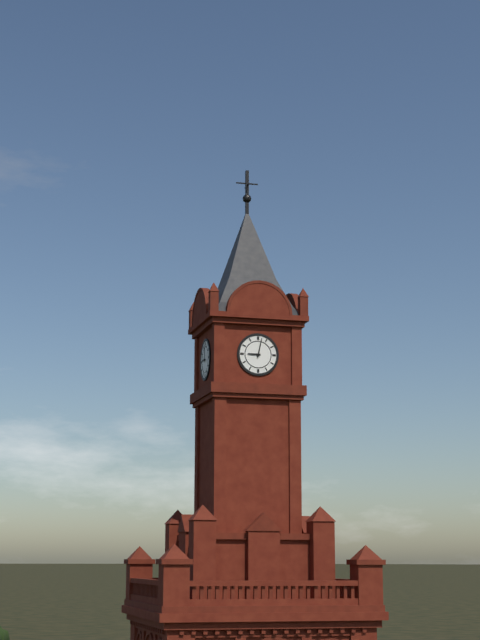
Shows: h=9 m=2
